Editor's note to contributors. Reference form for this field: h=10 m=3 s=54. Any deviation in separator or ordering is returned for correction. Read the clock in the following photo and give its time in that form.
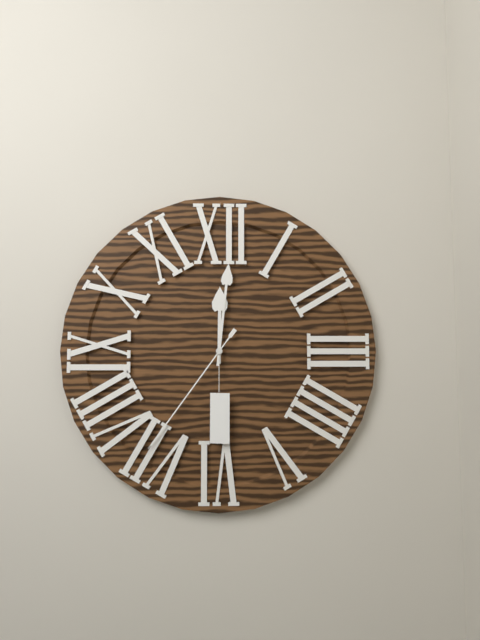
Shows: h=12 m=1 s=36
